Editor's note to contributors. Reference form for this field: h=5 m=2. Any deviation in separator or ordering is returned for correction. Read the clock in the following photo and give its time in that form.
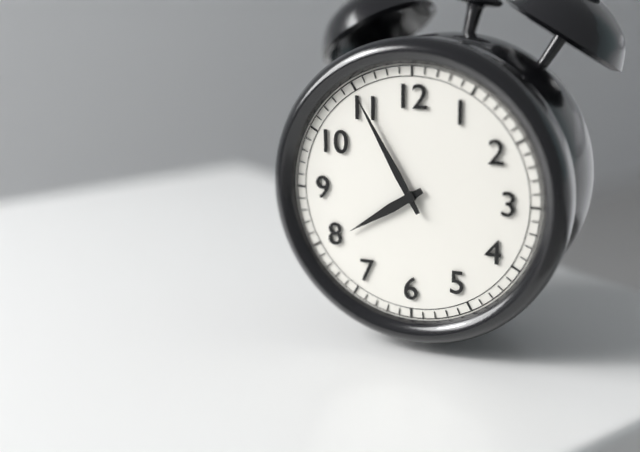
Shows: h=7 m=55
